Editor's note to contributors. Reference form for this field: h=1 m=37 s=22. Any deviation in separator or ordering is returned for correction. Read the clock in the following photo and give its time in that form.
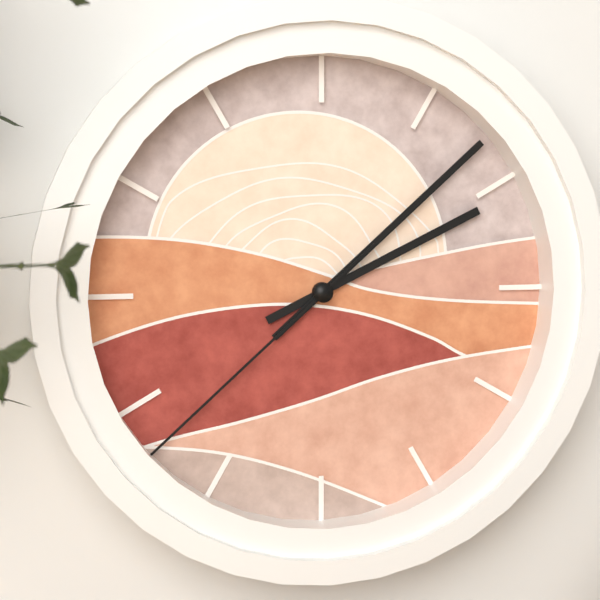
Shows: h=2 m=8 s=38
